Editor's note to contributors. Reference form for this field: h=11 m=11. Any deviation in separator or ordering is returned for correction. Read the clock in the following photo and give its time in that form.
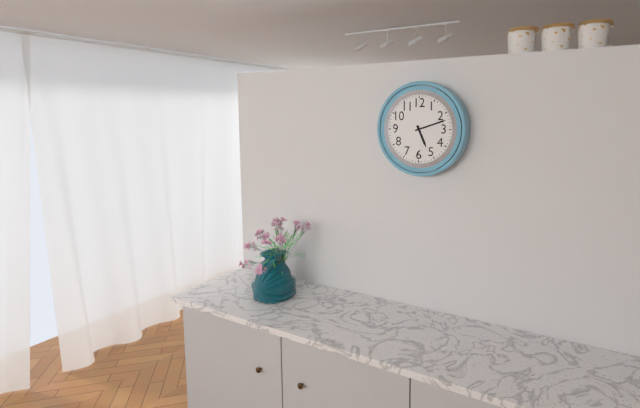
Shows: h=5 m=12
